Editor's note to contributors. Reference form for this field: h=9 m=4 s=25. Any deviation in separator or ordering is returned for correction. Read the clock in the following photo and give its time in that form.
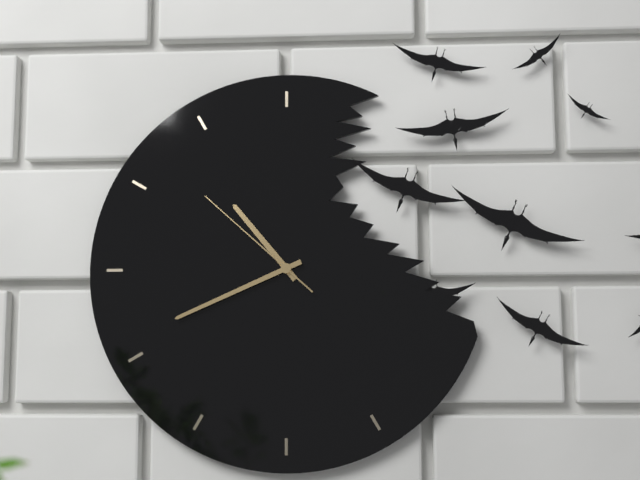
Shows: h=10 m=41 s=52
